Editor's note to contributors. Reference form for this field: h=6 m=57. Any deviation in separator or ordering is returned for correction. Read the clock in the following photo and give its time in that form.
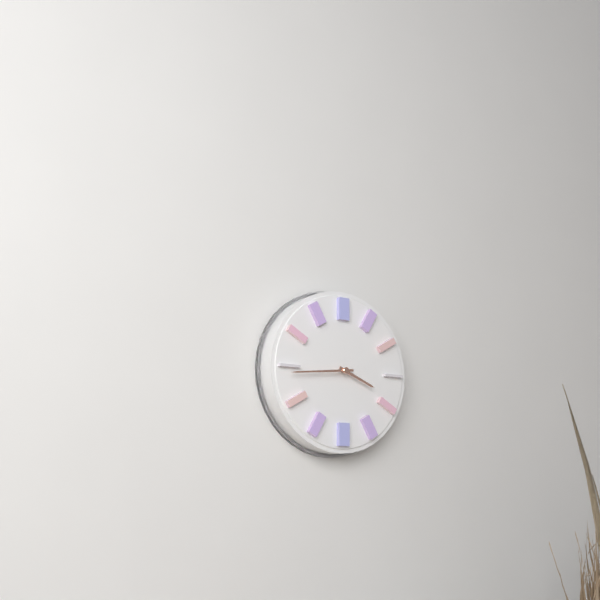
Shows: h=3 m=44
